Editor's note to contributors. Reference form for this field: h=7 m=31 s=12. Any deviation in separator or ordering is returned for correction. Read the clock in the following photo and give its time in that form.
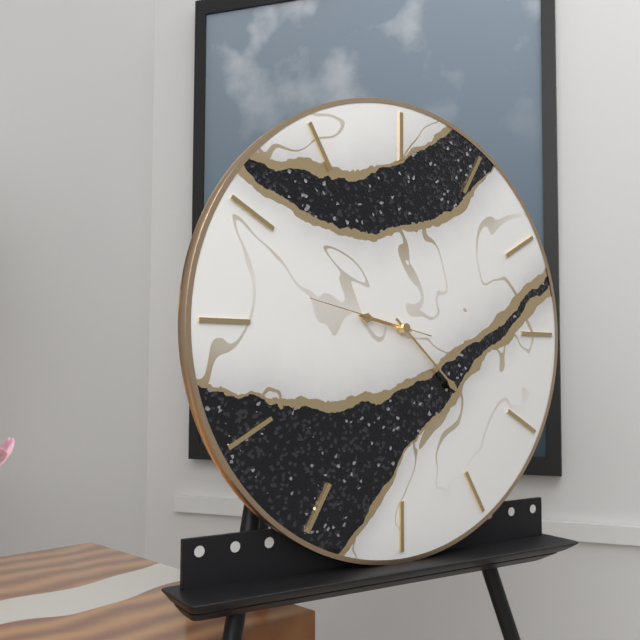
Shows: h=9 m=22 s=47
